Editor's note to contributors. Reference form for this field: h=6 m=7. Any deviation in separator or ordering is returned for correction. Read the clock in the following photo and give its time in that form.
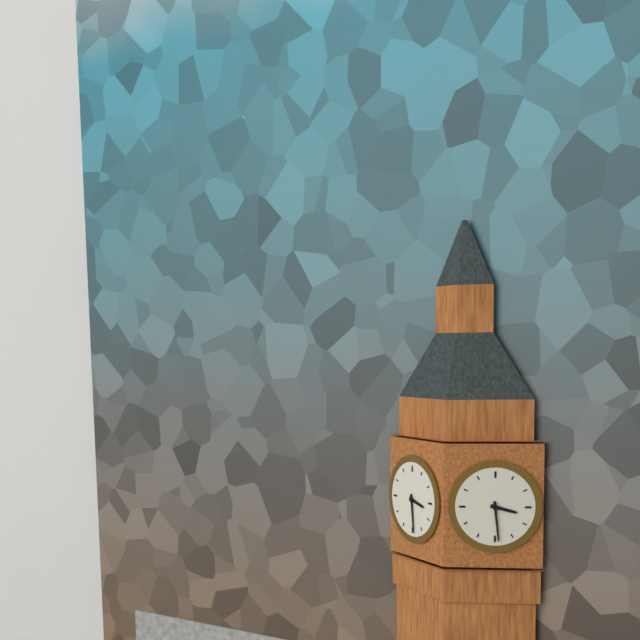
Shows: h=3 m=29
